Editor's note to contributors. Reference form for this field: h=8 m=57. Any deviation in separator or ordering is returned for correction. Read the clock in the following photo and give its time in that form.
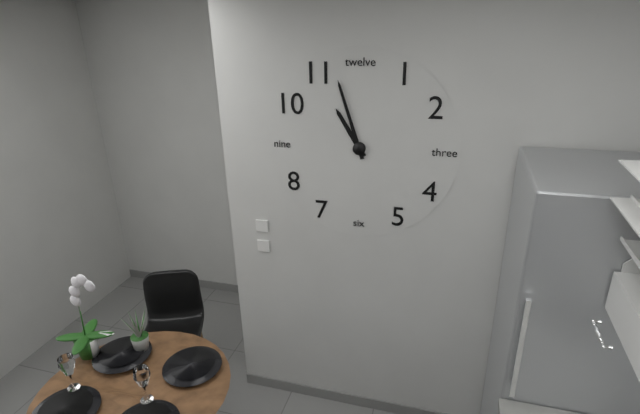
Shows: h=10 m=57
